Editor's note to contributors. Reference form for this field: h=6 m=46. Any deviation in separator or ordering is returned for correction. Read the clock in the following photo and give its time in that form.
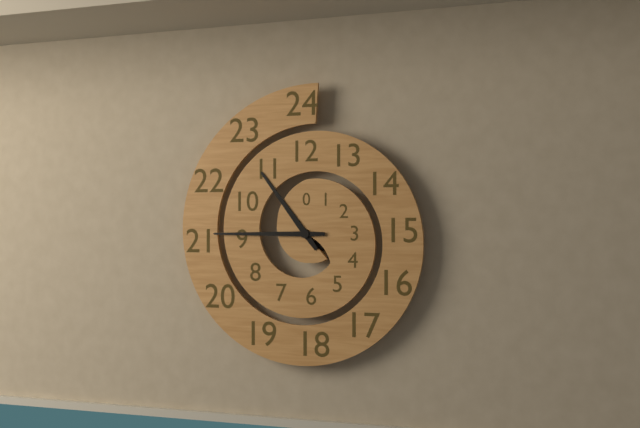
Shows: h=10 m=45
